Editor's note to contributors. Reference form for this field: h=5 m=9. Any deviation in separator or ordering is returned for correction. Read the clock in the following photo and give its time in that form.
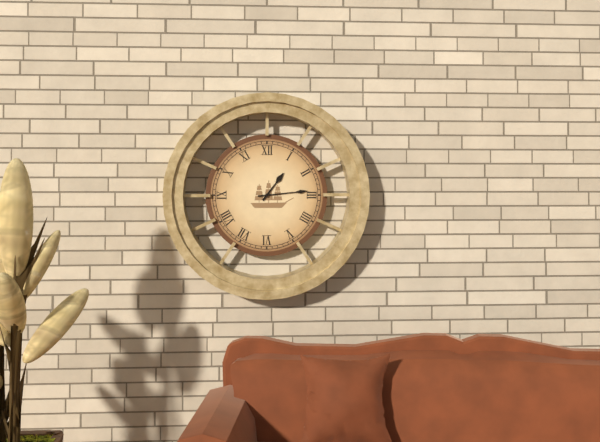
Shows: h=1 m=14
